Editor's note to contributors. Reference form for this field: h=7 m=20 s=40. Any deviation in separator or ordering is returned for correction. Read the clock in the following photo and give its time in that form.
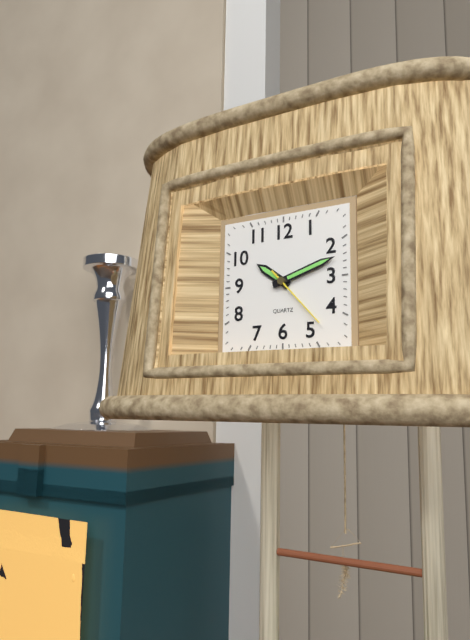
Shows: h=10 m=12 s=23
